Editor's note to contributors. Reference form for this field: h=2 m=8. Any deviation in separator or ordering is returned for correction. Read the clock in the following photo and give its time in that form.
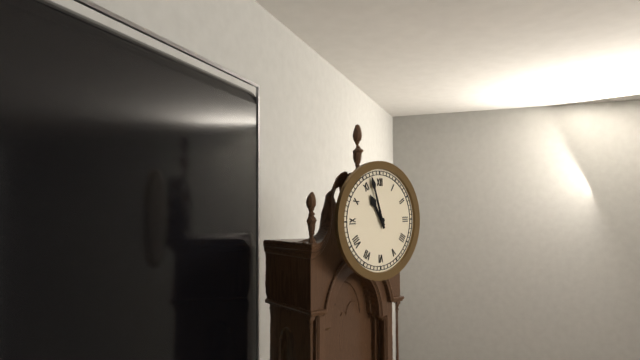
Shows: h=10 m=57
